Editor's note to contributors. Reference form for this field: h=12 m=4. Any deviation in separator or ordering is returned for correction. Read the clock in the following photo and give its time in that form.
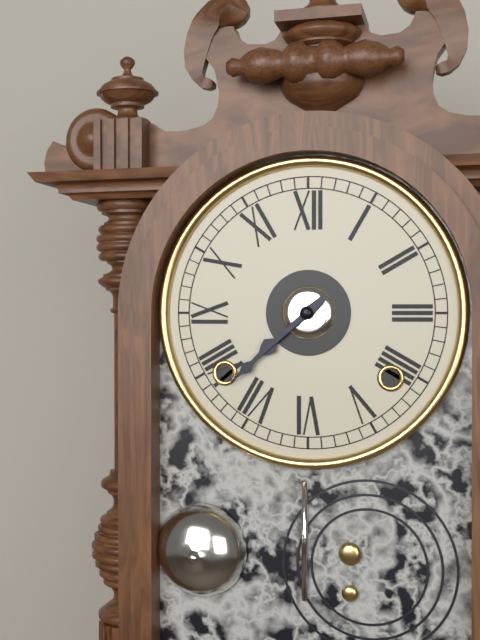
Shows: h=7 m=38
